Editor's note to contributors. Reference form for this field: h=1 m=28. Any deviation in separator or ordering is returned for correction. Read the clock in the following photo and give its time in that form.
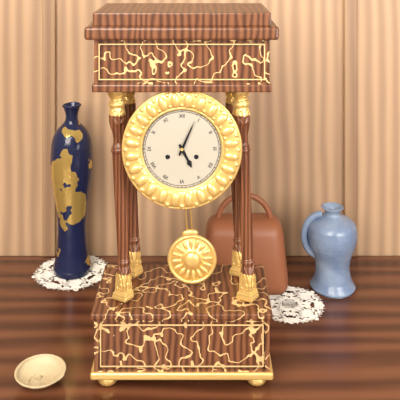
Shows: h=5 m=4
